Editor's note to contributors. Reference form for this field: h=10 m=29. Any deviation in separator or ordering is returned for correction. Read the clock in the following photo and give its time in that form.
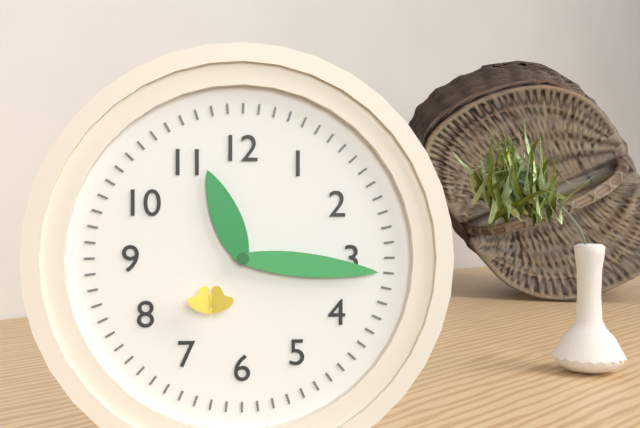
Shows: h=11 m=16
